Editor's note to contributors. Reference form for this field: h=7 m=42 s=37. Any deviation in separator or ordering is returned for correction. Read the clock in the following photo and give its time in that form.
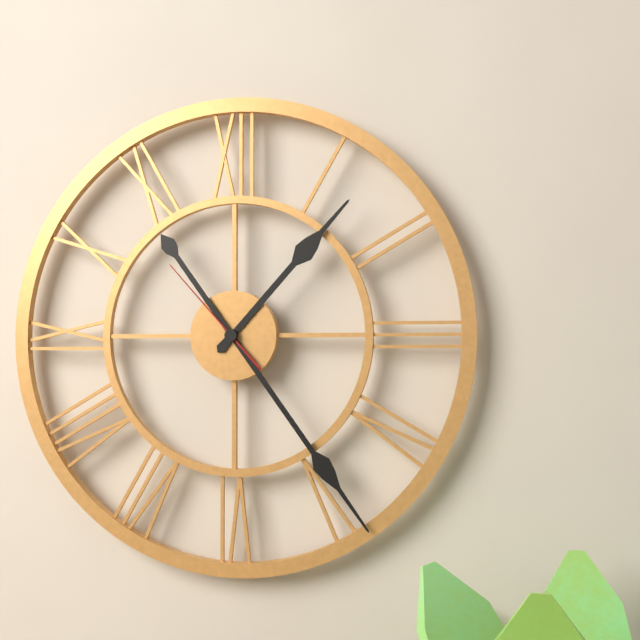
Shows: h=1 m=24 s=53
